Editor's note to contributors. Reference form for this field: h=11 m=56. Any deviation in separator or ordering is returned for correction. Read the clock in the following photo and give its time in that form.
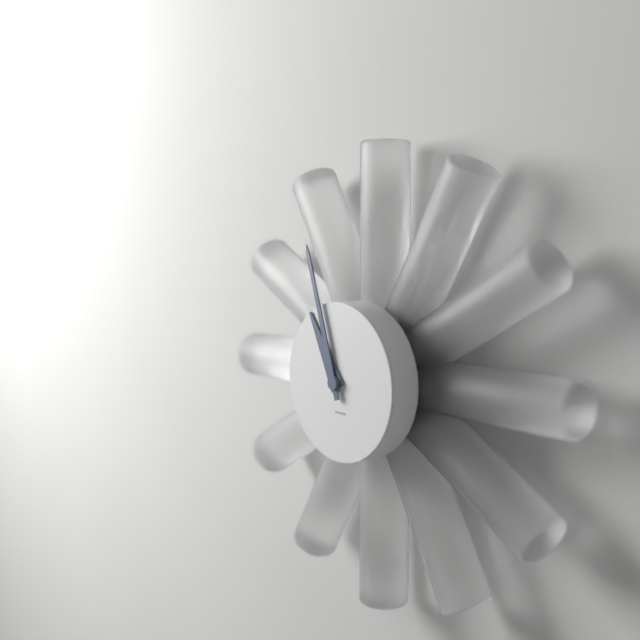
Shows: h=10 m=57
